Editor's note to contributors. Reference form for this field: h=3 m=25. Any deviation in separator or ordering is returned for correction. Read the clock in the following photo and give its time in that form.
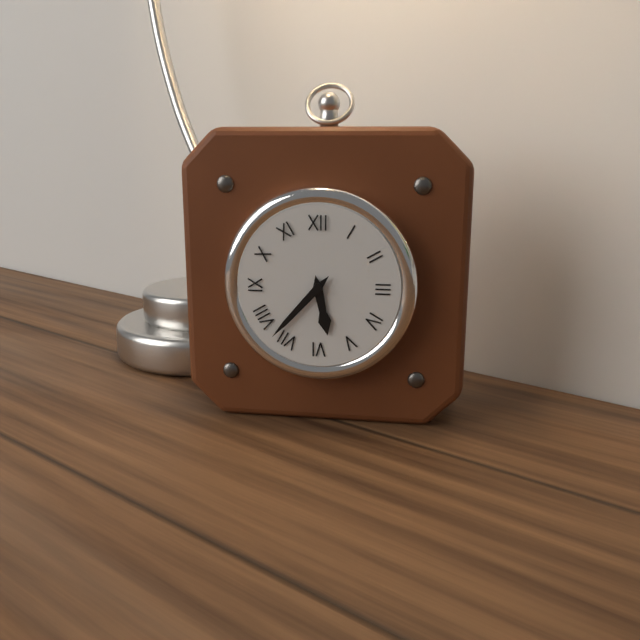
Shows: h=5 m=37
